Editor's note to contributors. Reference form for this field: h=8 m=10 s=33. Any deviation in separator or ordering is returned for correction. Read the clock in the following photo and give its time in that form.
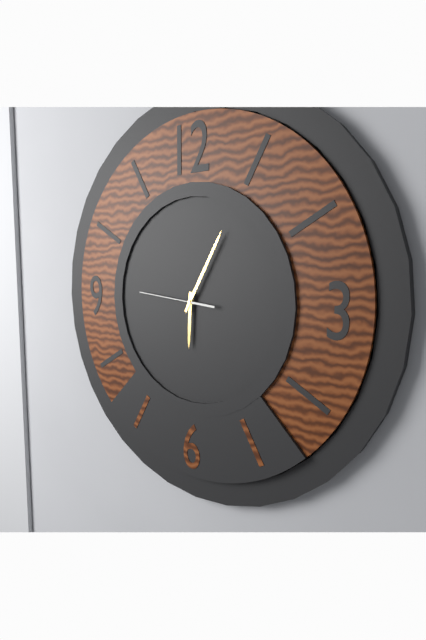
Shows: h=6 m=5 s=46
